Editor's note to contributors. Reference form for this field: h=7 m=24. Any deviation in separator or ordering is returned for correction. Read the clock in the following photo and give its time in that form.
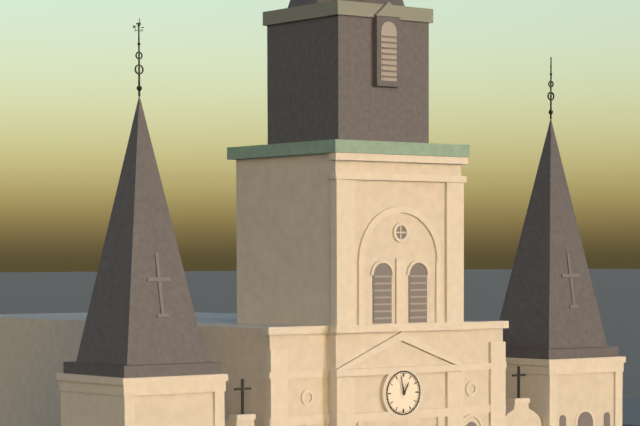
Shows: h=12 m=58
